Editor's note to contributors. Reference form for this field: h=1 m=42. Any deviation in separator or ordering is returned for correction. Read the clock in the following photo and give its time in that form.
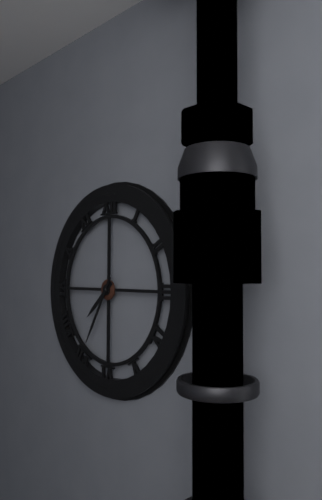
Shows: h=7 m=35
